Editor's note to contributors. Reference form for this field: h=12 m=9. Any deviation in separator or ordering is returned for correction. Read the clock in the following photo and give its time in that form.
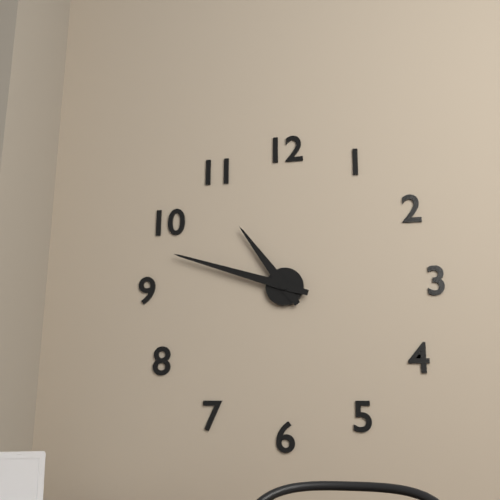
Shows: h=10 m=48
